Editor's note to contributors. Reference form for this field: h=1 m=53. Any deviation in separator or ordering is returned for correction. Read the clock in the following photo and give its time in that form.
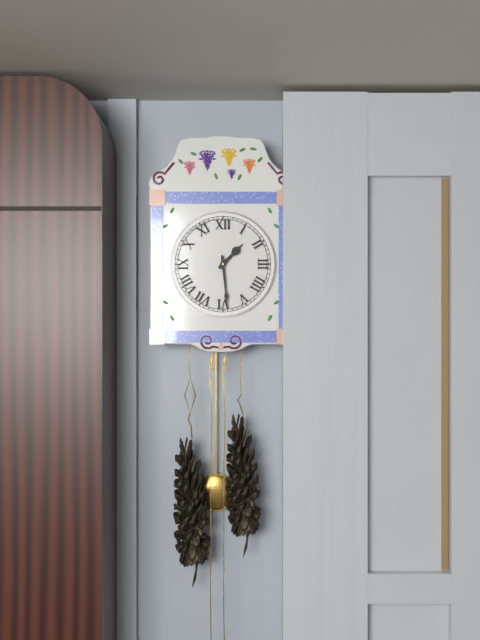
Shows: h=1 m=29
